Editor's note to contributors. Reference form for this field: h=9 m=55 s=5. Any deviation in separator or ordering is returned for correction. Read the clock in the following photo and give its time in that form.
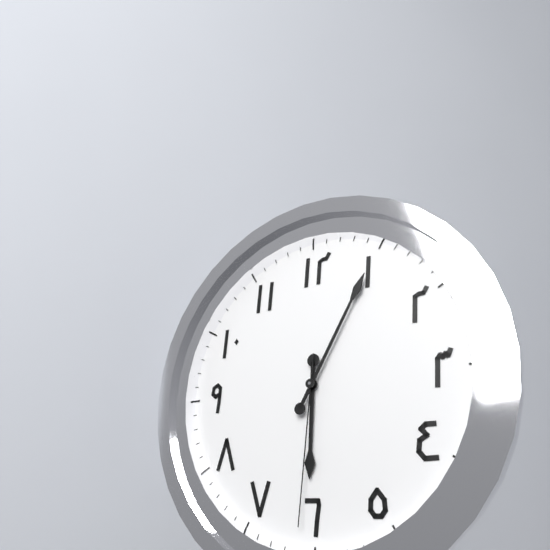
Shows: h=6 m=5 s=31
